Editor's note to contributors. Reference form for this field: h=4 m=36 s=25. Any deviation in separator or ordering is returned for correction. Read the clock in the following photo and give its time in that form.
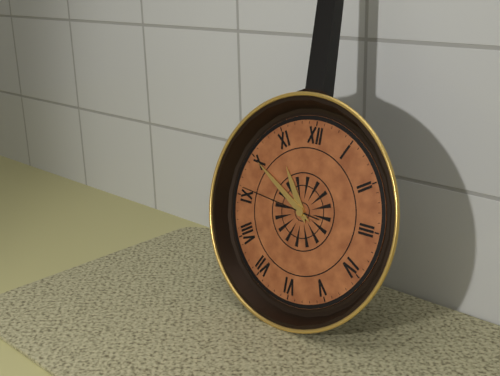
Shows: h=10 m=50 s=46
